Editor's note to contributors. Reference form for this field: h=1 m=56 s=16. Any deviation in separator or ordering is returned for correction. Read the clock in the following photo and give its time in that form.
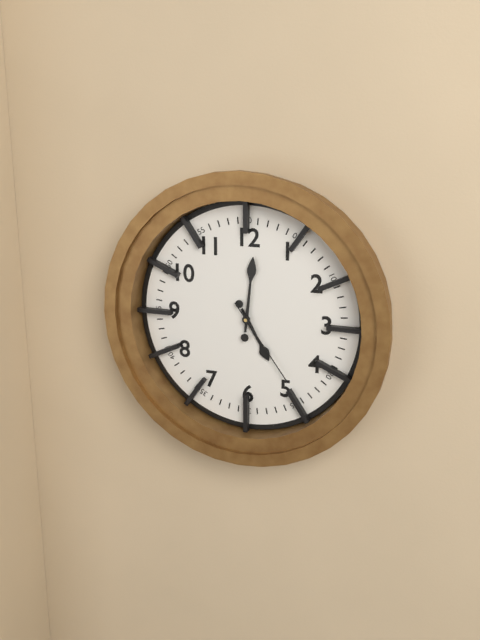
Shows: h=5 m=1 s=24
